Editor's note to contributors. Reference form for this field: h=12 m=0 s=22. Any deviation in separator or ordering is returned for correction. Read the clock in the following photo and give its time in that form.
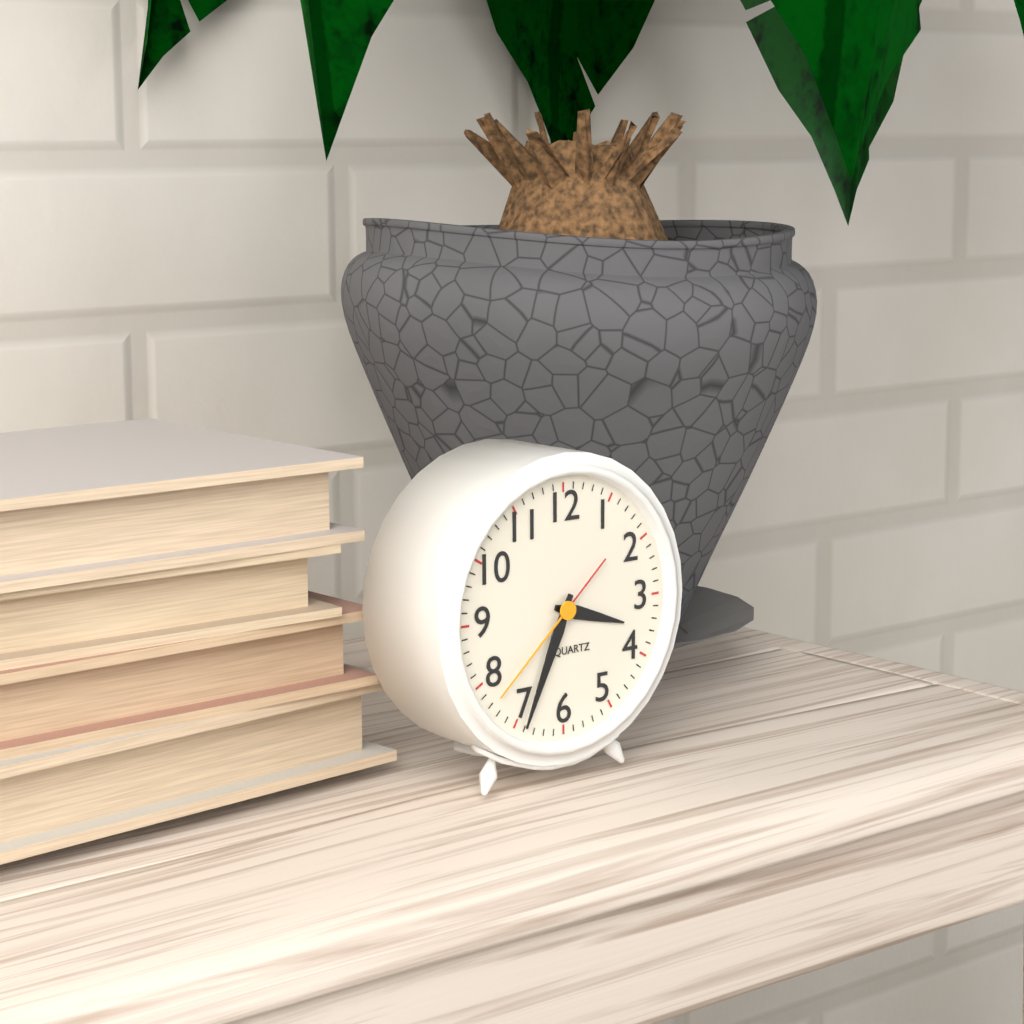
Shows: h=3 m=34 s=38
